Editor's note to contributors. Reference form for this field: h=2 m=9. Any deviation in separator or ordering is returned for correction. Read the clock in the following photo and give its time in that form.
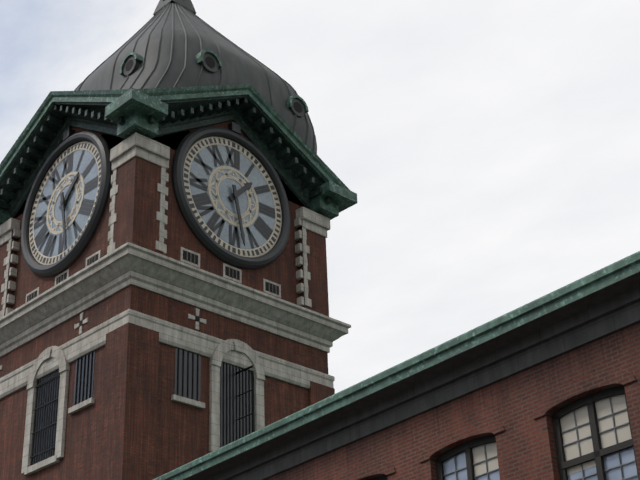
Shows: h=1 m=28
